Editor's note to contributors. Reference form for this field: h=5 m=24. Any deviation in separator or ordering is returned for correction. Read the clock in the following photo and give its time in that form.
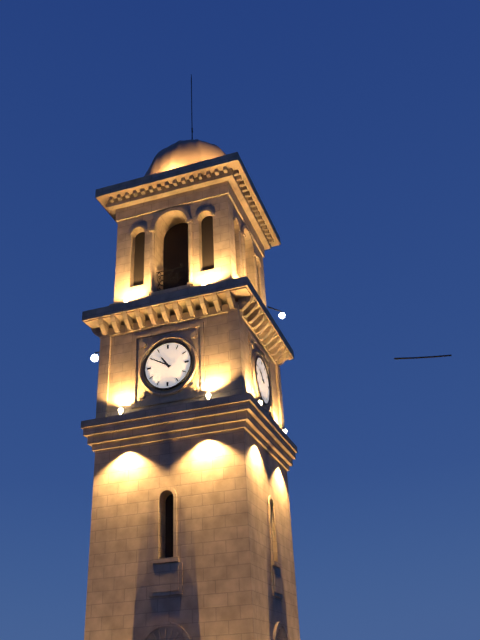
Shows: h=10 m=50
